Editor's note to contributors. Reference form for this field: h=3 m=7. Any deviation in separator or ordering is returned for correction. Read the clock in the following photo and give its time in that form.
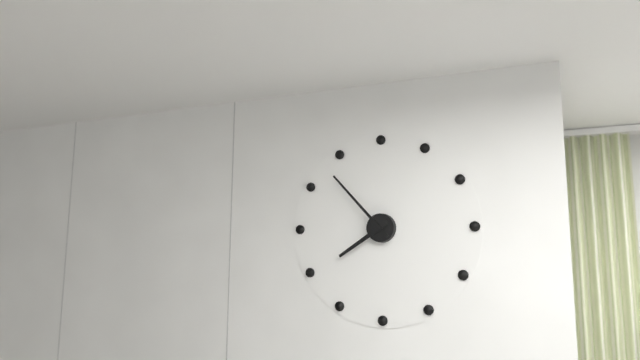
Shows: h=7 m=53
